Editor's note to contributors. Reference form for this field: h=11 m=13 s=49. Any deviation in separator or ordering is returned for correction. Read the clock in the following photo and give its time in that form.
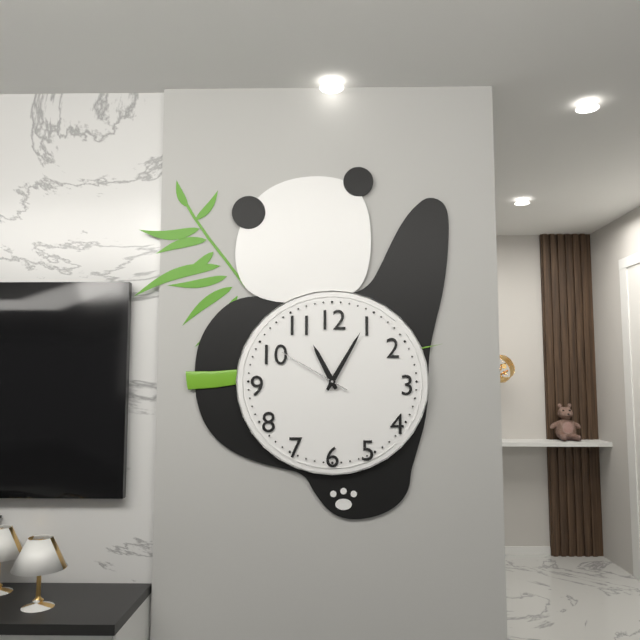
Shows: h=11 m=5 s=50
